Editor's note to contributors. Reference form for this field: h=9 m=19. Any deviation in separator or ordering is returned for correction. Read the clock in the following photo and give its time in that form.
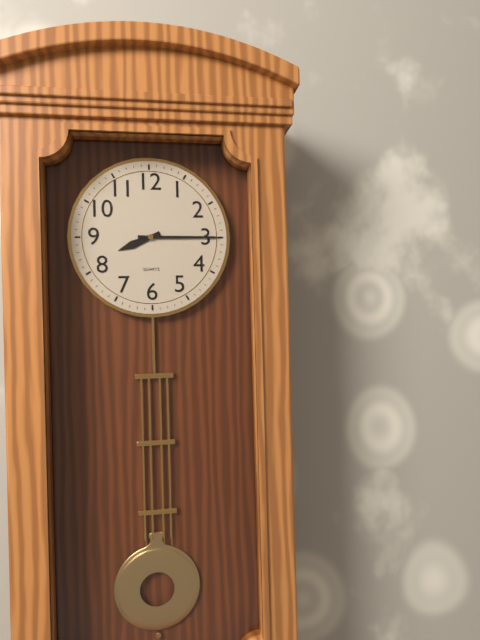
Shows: h=8 m=15
